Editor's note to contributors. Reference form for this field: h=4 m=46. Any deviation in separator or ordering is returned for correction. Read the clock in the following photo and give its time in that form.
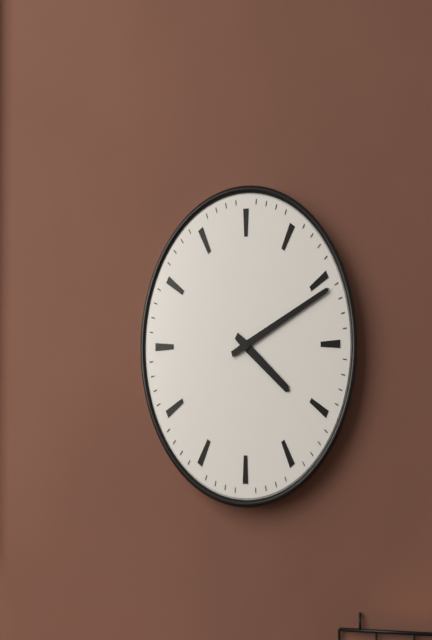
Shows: h=4 m=11
